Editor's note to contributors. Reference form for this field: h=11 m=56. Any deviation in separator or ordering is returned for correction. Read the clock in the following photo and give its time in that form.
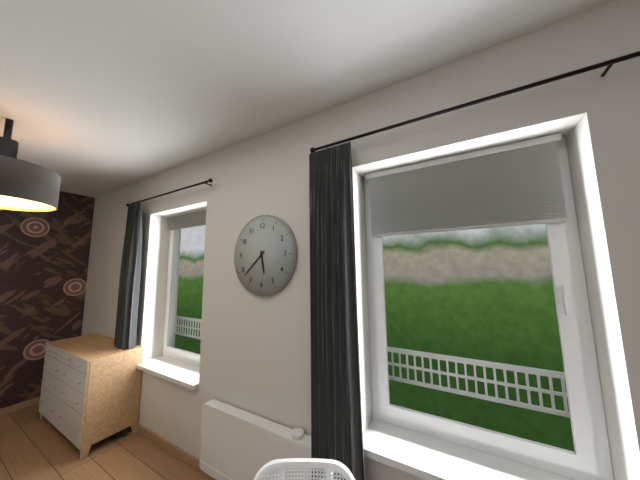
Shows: h=5 m=38
